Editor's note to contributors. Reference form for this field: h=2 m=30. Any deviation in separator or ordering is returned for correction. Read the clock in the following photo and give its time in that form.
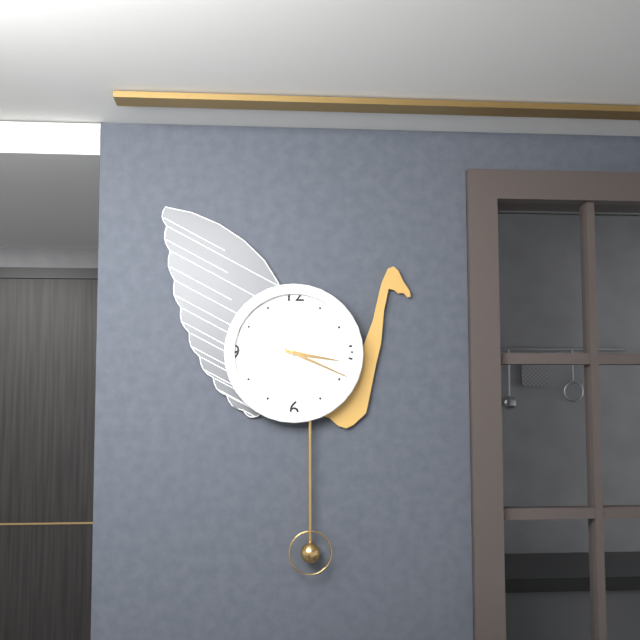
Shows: h=3 m=19
